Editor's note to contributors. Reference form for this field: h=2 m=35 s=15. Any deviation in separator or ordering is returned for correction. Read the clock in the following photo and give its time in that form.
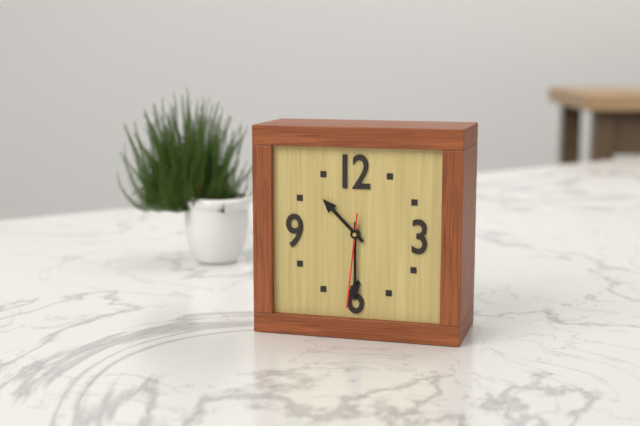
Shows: h=10 m=30 s=31
